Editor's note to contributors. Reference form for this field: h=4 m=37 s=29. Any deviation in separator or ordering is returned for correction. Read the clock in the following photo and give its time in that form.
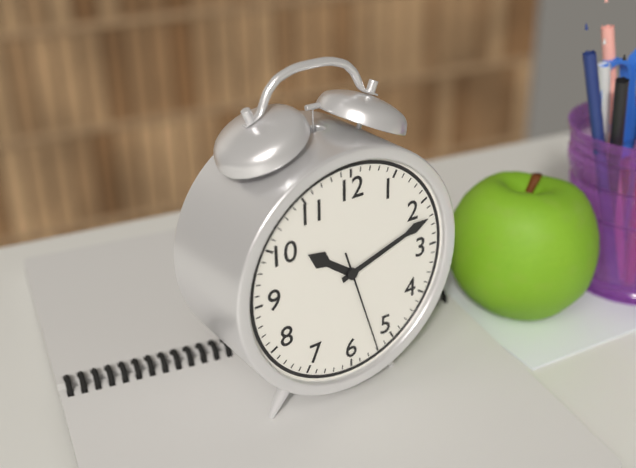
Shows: h=10 m=12 s=27
